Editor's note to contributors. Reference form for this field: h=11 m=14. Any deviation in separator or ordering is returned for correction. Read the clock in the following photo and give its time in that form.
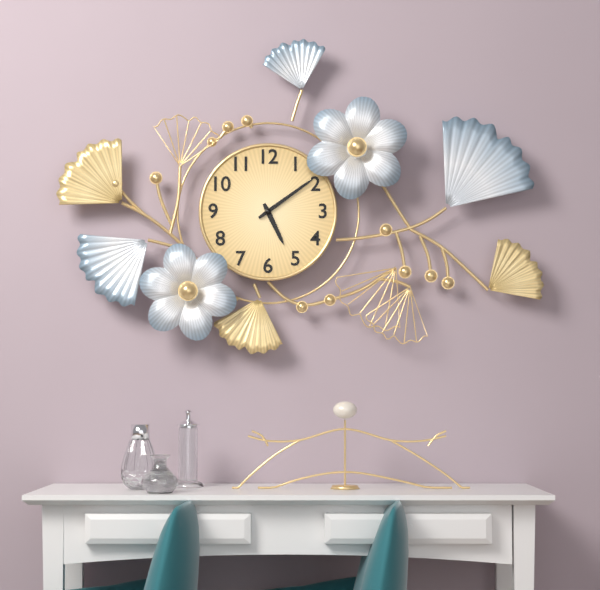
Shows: h=5 m=9
